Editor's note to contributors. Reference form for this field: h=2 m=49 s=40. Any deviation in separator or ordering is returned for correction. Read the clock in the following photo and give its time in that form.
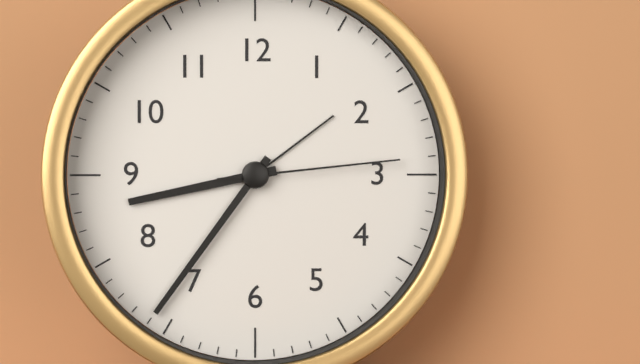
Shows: h=8 m=36 s=14
